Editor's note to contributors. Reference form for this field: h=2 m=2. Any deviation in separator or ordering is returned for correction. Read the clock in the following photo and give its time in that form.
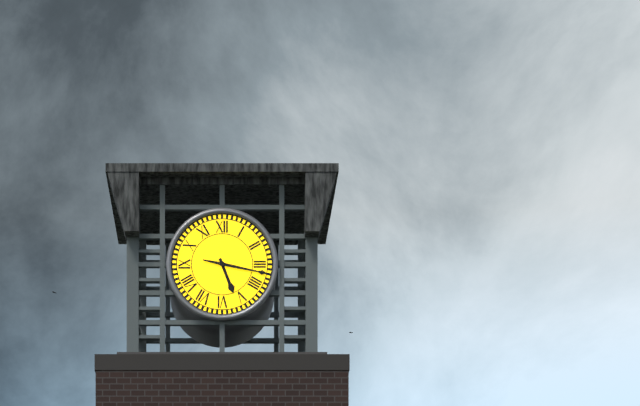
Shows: h=5 m=17
